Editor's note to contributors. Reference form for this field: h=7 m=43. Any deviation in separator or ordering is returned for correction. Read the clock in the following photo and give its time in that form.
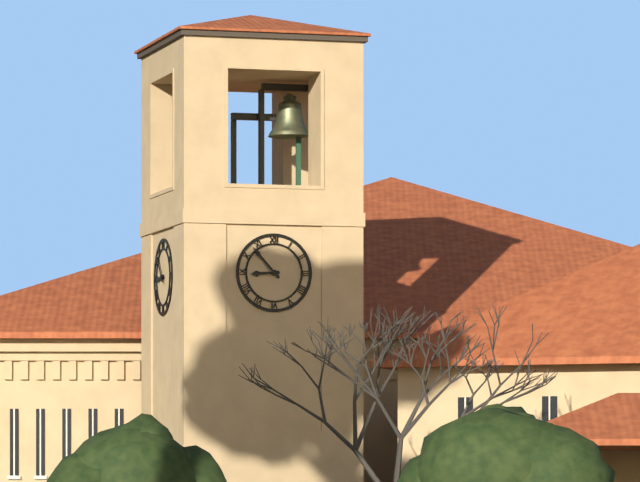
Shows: h=8 m=53
